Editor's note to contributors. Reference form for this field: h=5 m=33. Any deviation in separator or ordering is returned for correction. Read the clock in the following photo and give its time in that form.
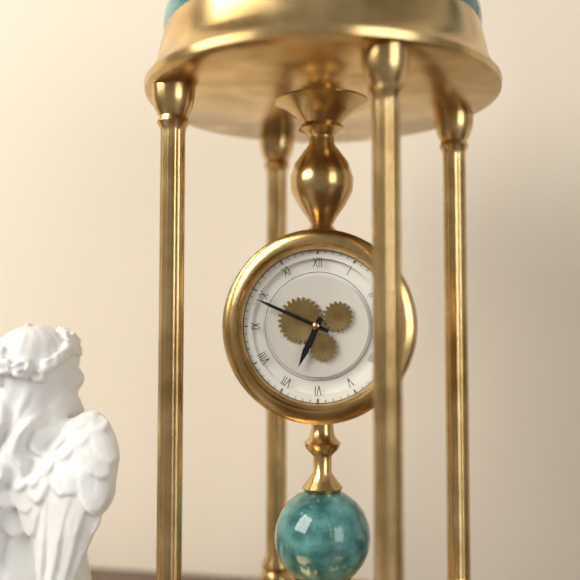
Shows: h=6 m=49
